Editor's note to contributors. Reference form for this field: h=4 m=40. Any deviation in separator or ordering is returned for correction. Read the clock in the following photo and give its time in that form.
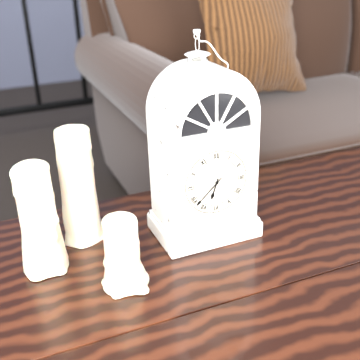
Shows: h=6 m=38
